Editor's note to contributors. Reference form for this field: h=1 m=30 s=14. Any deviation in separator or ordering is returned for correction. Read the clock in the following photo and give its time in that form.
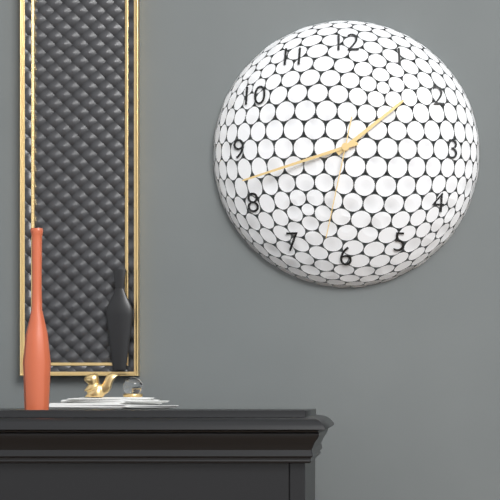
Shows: h=1 m=42 s=32
